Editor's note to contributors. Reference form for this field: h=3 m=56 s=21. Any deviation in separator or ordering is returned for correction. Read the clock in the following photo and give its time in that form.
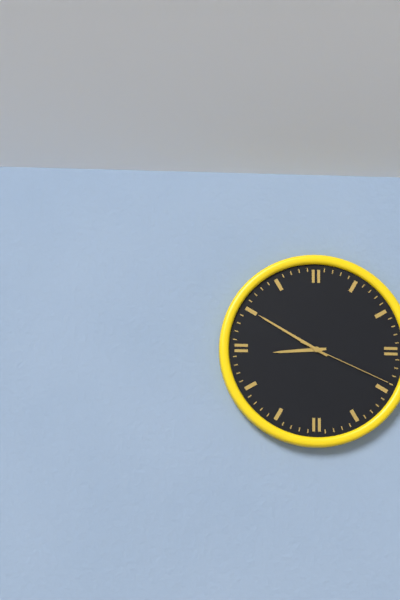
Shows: h=8 m=50 s=19
